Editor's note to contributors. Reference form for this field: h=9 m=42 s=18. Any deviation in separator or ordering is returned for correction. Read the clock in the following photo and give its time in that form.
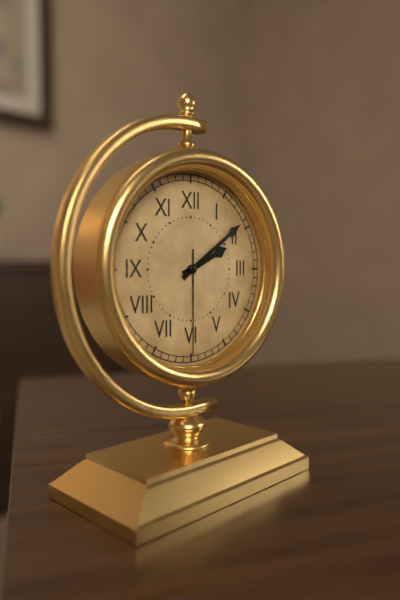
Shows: h=2 m=9 s=30
